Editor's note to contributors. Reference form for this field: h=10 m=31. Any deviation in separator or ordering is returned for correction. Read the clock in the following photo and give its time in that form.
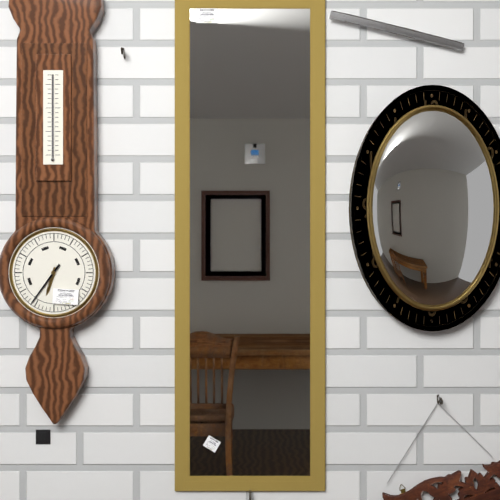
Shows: h=6 m=36
